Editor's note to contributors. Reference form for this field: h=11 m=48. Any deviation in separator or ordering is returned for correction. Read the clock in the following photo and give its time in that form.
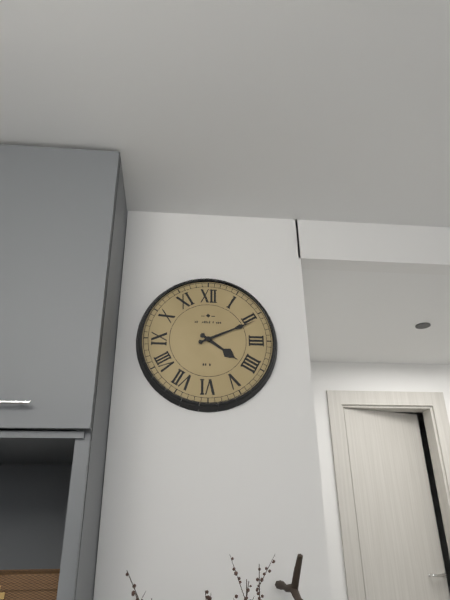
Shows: h=4 m=11
